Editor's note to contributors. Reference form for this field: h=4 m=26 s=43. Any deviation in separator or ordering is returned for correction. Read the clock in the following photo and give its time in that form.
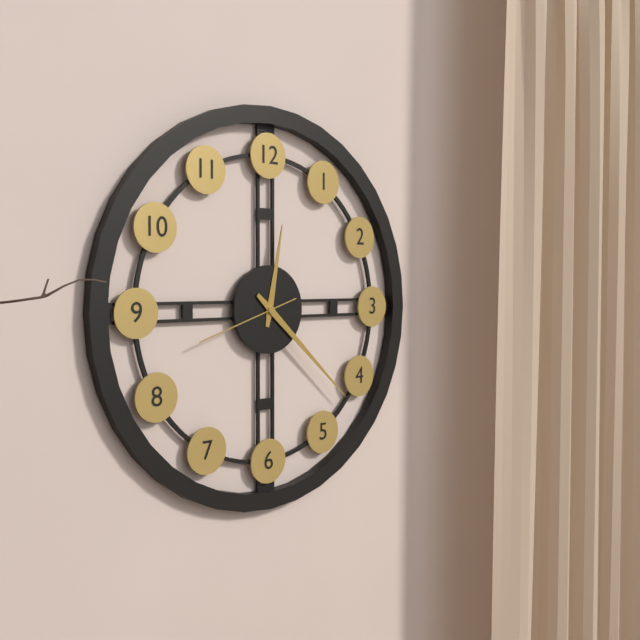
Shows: h=12 m=22 s=42
